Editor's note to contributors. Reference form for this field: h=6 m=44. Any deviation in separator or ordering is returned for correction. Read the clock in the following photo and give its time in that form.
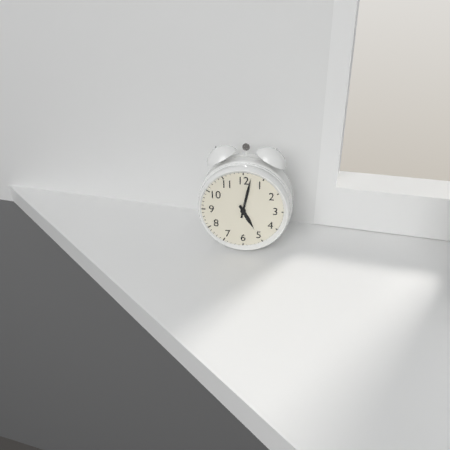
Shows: h=5 m=2
